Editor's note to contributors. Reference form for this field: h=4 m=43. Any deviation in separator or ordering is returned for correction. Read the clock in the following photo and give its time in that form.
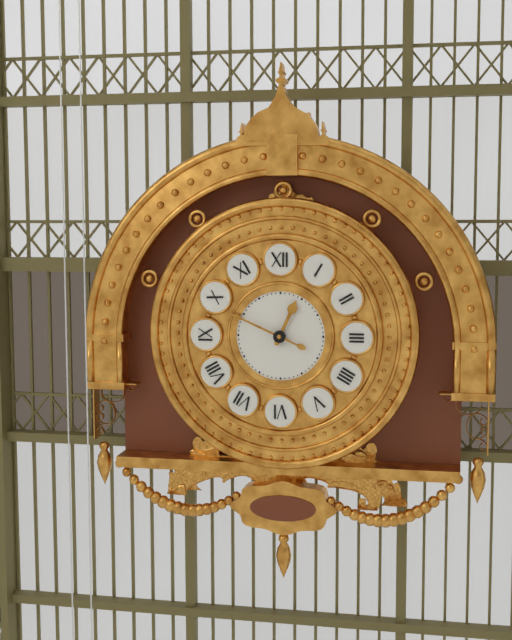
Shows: h=12 m=49
